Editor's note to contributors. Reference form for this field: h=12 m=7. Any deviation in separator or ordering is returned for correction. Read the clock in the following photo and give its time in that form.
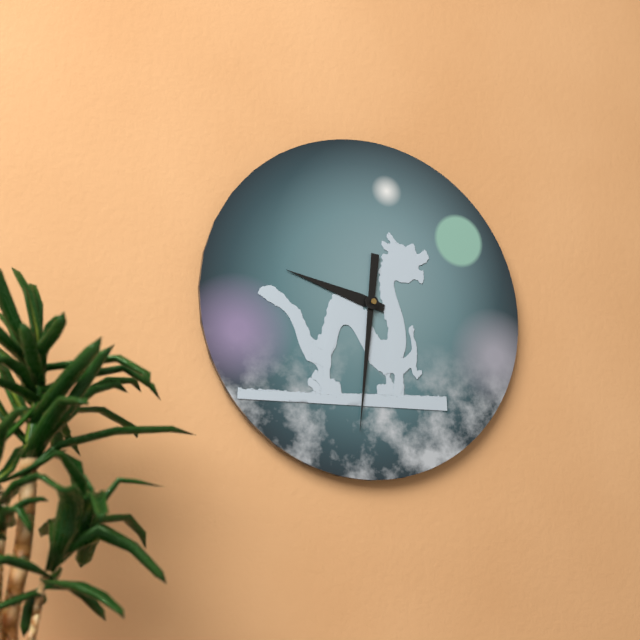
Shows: h=9 m=31
